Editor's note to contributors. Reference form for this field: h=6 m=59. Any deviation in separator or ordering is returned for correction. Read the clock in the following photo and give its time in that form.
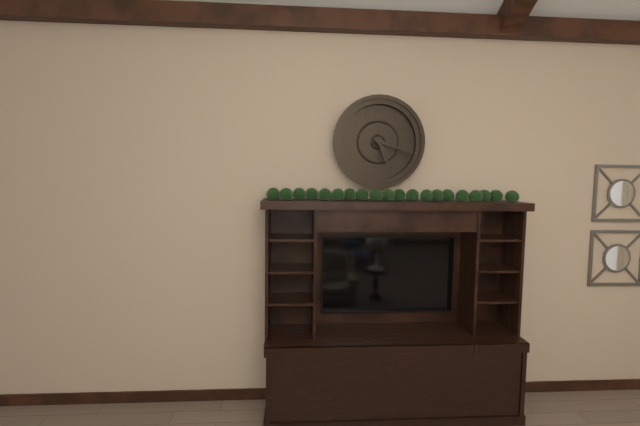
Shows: h=5 m=18
